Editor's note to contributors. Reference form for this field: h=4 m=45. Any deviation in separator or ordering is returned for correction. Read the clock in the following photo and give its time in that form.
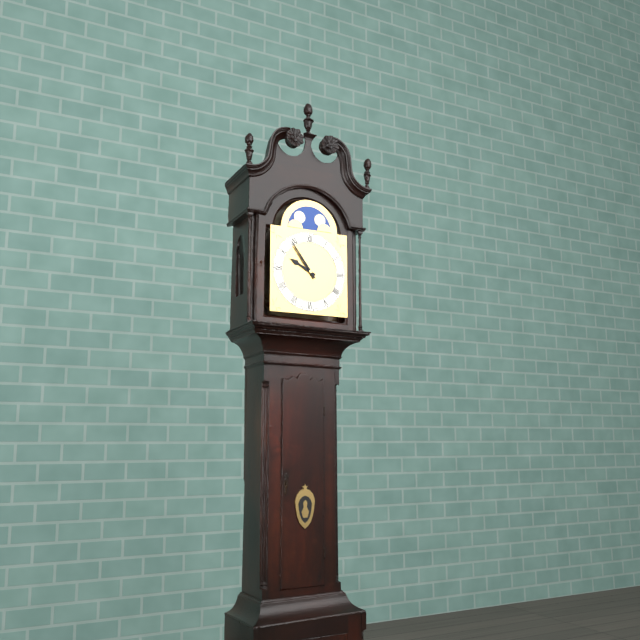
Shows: h=9 m=54
